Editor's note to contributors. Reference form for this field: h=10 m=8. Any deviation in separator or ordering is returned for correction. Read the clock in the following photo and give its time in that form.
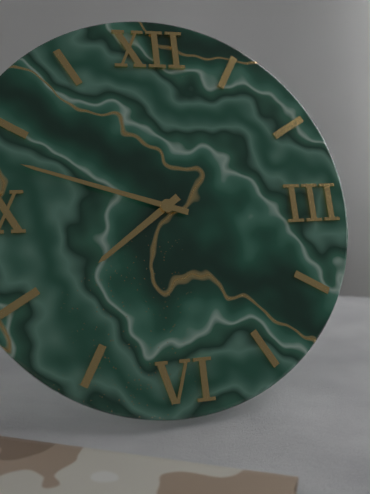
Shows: h=7 m=48
